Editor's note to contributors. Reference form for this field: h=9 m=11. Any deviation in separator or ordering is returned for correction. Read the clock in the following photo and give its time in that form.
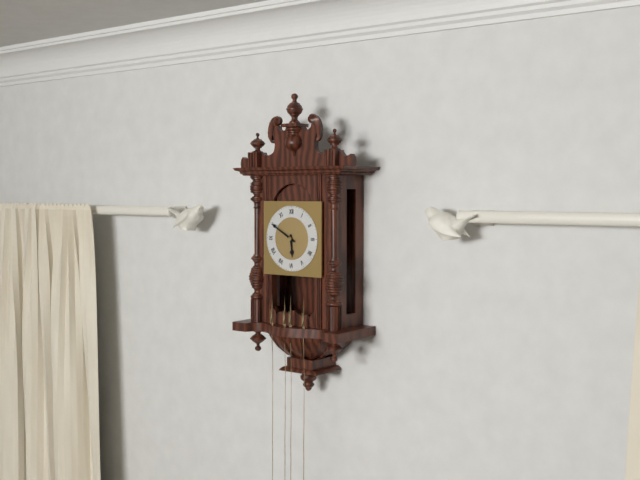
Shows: h=5 m=50
